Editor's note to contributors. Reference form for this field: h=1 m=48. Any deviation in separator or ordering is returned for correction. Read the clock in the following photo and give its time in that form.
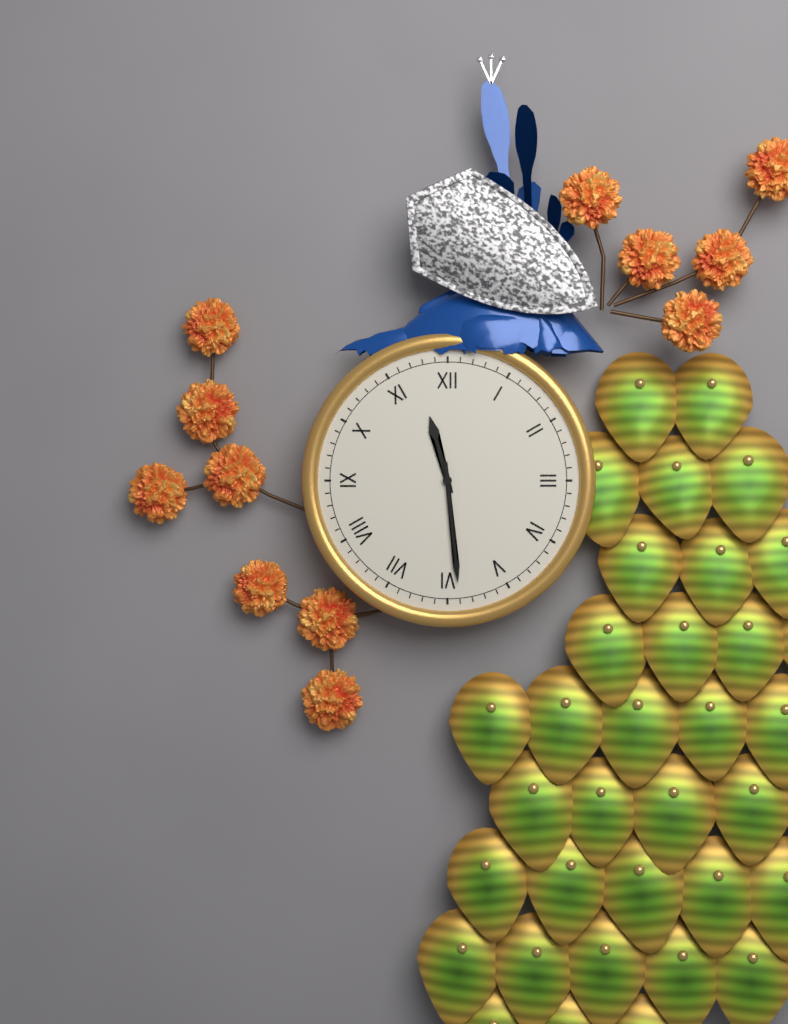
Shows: h=11 m=29
